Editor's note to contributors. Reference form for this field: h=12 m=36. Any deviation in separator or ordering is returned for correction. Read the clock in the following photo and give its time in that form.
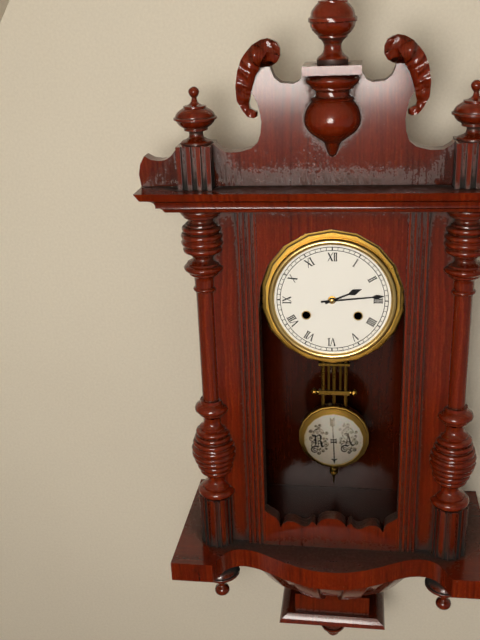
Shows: h=2 m=14
